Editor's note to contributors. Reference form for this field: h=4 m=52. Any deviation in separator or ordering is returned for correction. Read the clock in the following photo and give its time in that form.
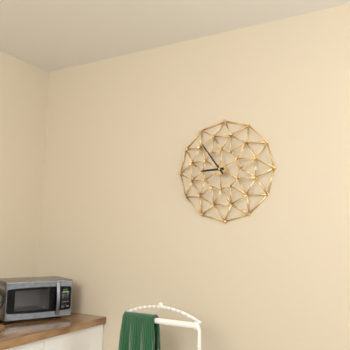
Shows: h=8 m=54
